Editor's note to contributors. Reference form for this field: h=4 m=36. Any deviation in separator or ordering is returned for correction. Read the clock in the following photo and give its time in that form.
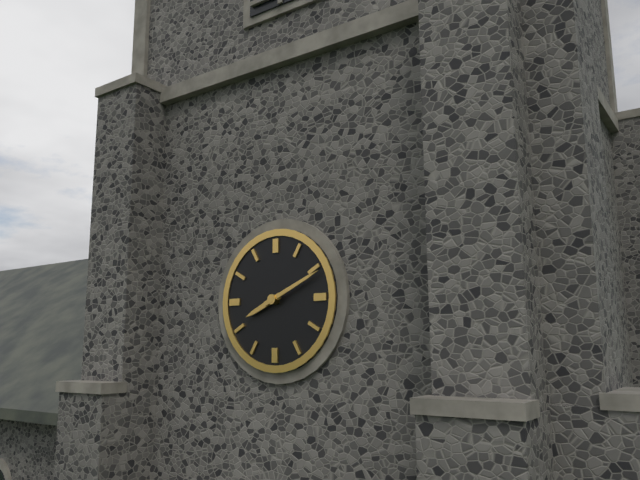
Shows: h=8 m=11
